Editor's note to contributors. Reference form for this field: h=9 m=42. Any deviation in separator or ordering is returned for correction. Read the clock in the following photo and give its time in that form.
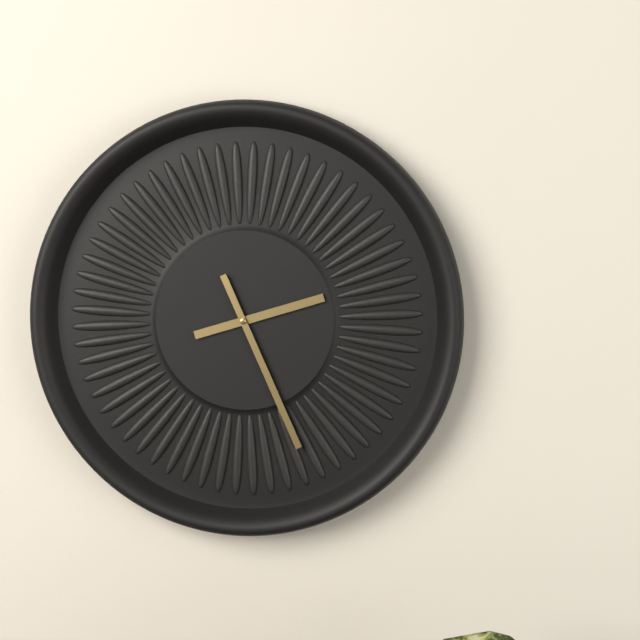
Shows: h=2 m=26
